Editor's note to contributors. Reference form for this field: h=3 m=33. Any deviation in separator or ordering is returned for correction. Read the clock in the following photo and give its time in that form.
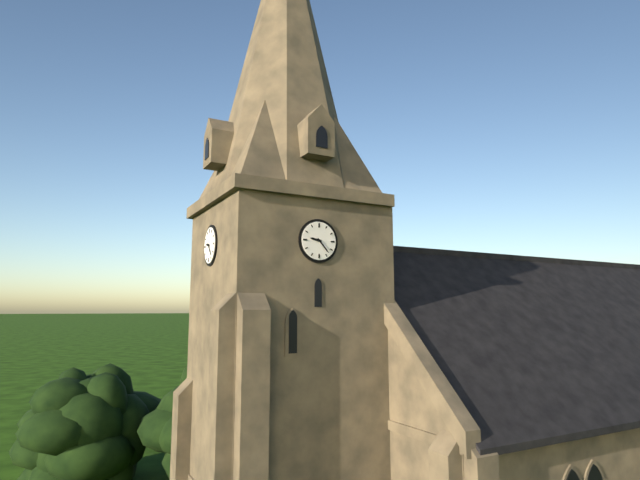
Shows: h=9 m=23
